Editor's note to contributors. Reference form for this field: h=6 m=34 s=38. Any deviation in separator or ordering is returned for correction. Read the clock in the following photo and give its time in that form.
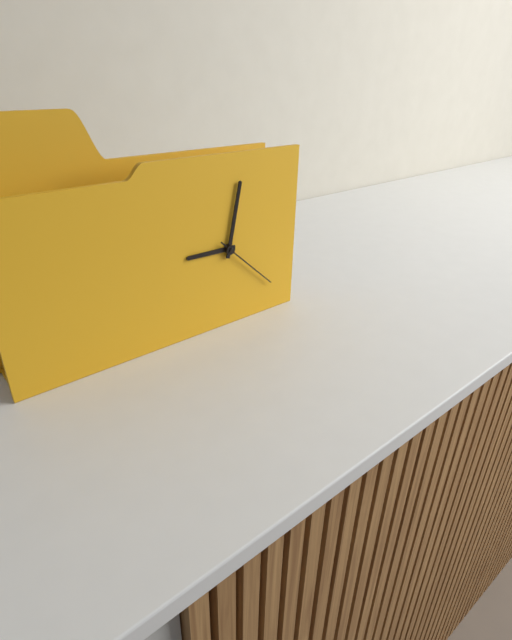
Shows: h=9 m=2 s=22
